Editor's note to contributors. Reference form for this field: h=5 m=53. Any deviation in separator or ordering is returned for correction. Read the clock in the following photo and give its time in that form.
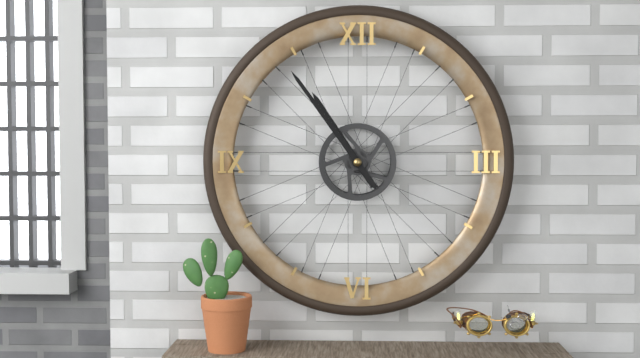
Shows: h=10 m=54
